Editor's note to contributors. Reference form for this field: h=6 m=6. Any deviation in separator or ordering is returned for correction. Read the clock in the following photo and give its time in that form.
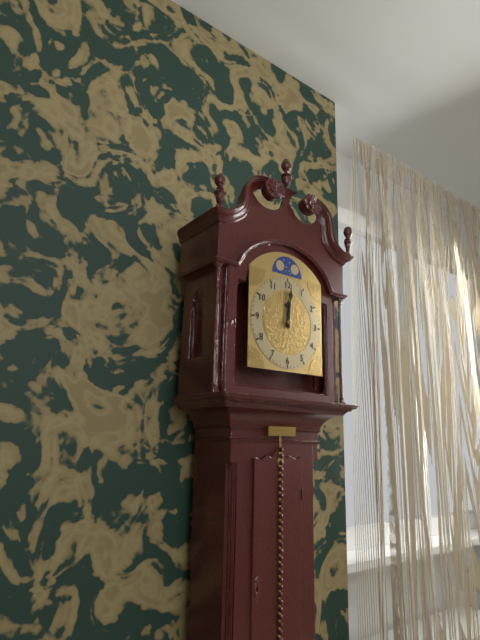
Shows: h=12 m=1
